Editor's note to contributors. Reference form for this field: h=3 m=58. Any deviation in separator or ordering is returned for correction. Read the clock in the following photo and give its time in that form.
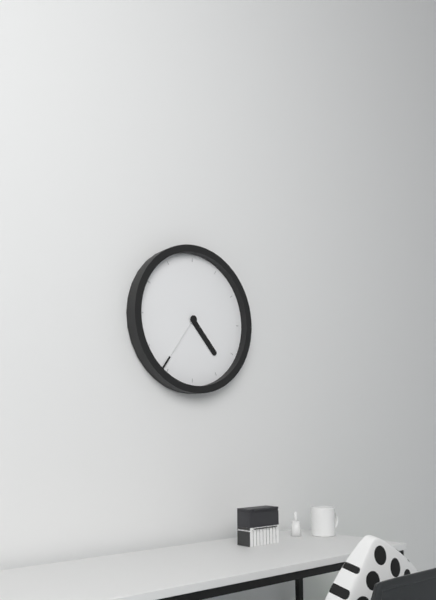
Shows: h=4 m=36
